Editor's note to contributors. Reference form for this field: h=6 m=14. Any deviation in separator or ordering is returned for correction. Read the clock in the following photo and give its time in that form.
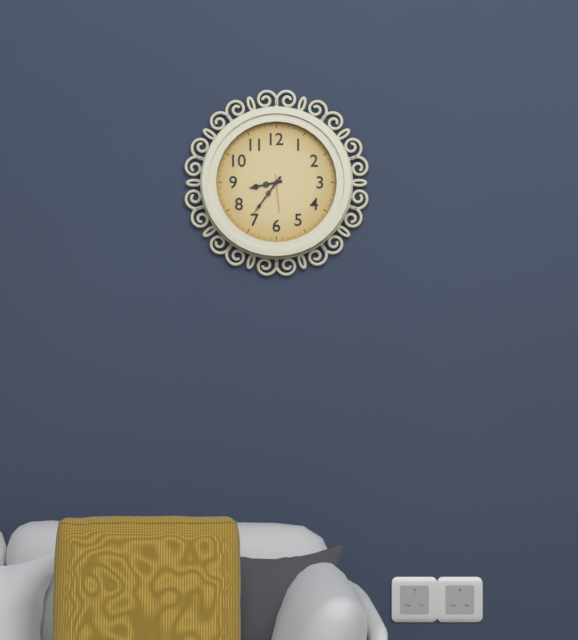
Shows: h=8 m=36
